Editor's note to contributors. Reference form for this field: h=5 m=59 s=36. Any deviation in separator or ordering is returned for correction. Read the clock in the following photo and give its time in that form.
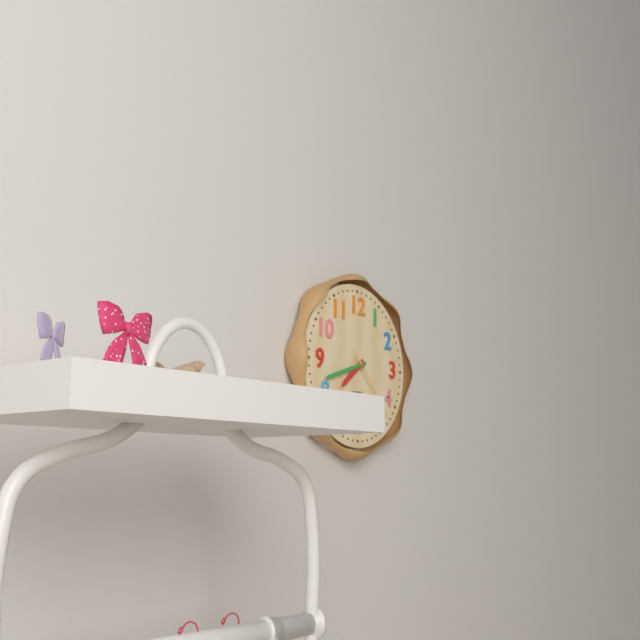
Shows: h=7 m=42 s=23
